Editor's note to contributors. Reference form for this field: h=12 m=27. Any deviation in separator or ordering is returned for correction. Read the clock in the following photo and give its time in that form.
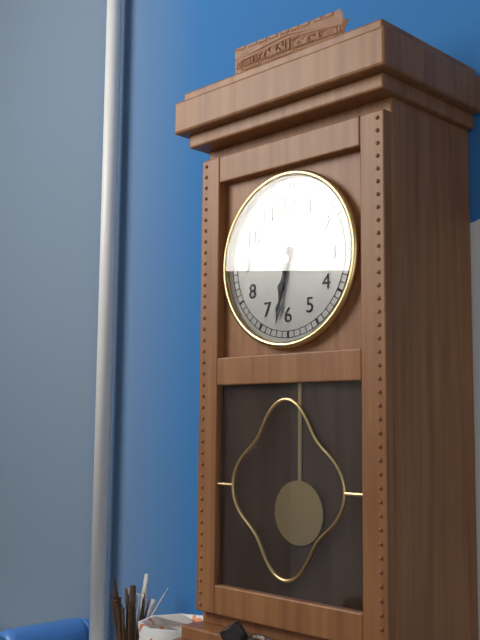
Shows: h=6 m=32
